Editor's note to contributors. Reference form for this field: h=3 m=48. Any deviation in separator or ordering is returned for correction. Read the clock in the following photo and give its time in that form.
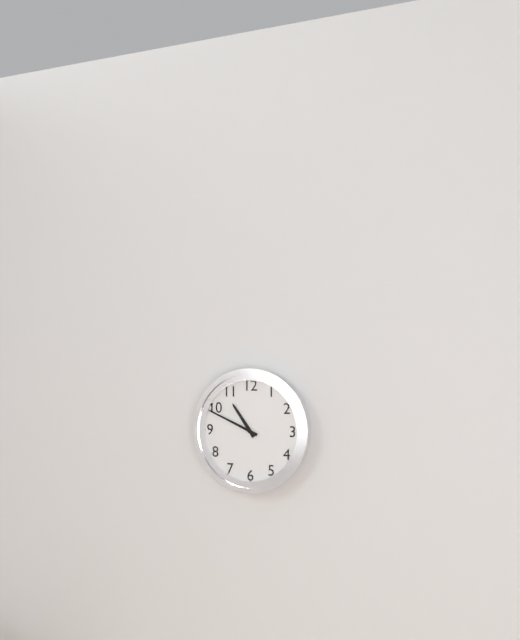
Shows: h=10 m=49
